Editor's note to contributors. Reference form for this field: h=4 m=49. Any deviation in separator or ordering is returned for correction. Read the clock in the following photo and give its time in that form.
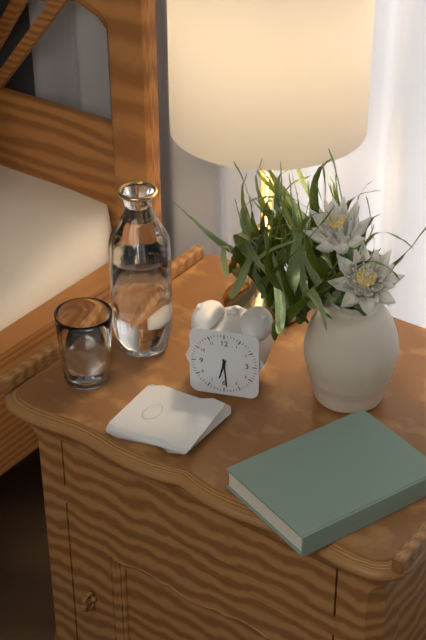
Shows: h=6 m=29
